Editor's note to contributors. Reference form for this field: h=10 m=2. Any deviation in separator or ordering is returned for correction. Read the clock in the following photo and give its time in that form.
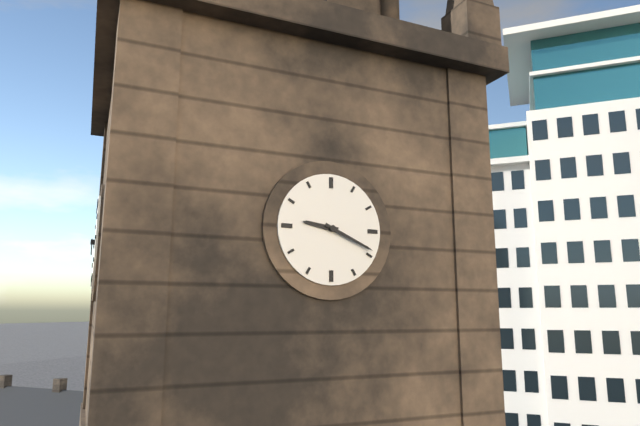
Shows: h=9 m=19
